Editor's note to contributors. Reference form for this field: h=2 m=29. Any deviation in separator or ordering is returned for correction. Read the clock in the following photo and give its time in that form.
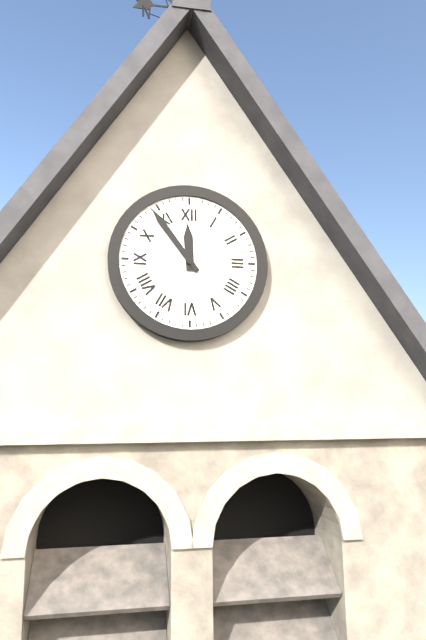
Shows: h=11 m=54
